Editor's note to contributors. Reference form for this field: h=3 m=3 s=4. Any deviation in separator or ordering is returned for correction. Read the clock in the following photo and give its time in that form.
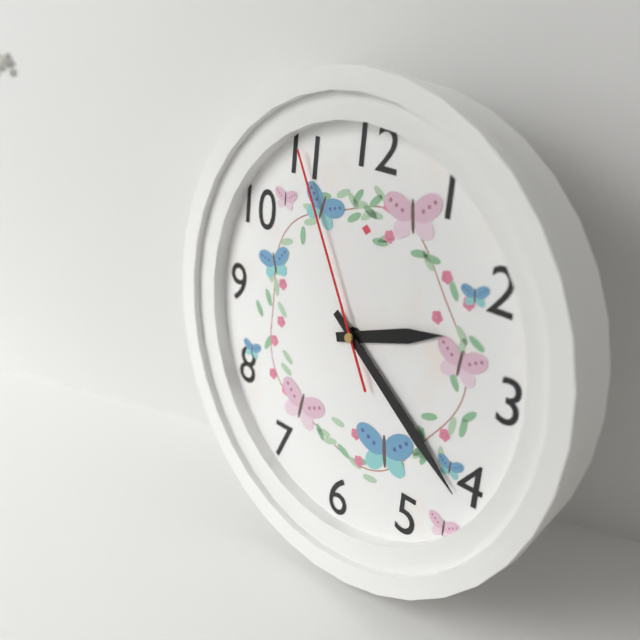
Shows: h=2 m=21 s=55
